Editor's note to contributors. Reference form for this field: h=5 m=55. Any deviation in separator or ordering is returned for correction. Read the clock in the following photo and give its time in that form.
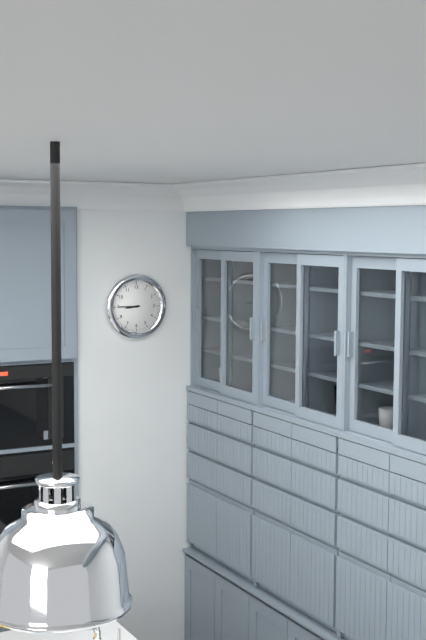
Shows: h=8 m=45
